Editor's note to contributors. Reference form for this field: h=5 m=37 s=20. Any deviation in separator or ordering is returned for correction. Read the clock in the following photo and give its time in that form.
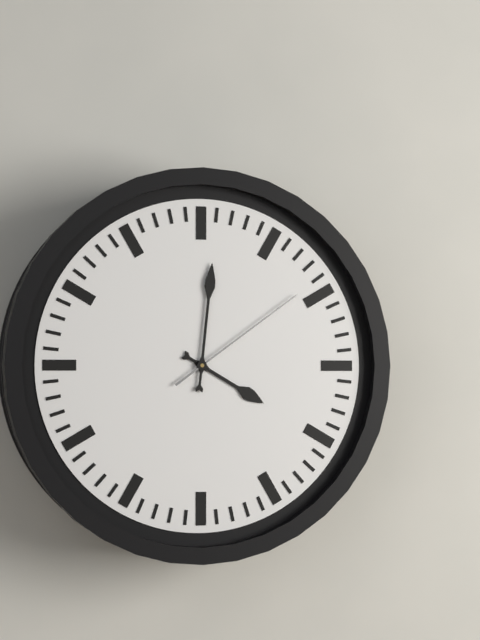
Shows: h=4 m=1 s=9
